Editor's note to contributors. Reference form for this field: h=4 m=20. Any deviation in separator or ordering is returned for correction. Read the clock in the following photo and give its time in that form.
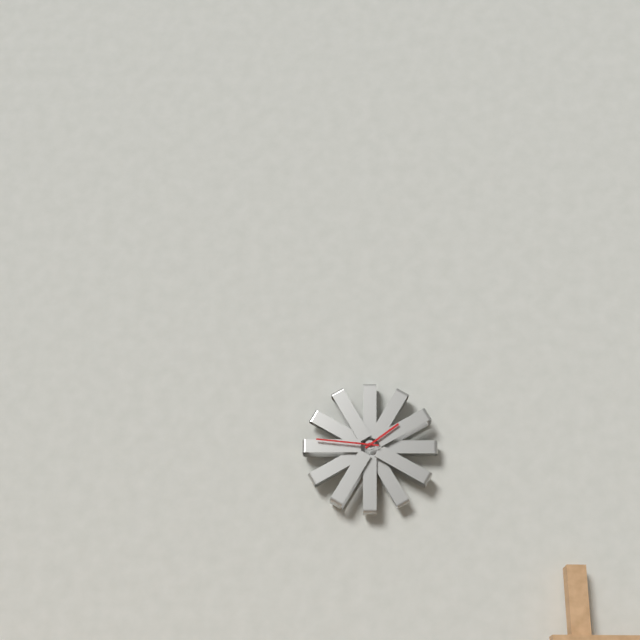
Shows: h=1 m=46
